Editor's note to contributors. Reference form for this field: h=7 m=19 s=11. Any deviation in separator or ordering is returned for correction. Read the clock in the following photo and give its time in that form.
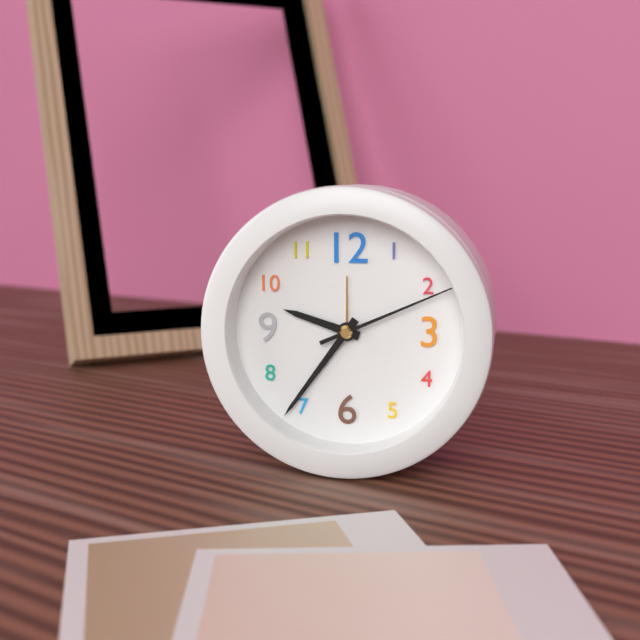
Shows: h=9 m=36 s=11
